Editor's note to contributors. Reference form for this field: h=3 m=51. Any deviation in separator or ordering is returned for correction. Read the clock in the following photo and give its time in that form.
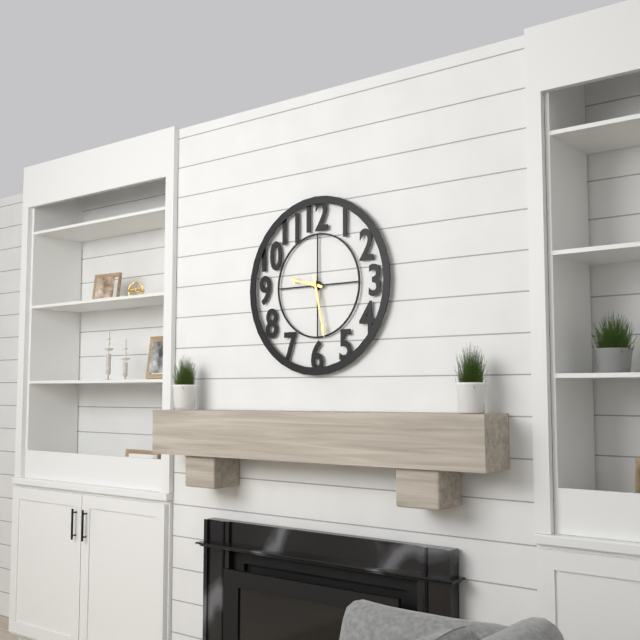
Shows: h=9 m=28
